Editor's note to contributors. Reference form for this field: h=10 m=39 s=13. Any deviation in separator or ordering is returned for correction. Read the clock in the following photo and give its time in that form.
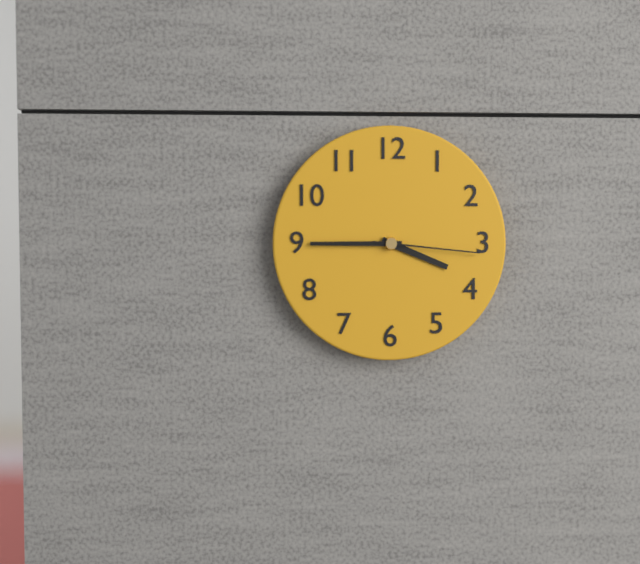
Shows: h=3 m=45 s=16
